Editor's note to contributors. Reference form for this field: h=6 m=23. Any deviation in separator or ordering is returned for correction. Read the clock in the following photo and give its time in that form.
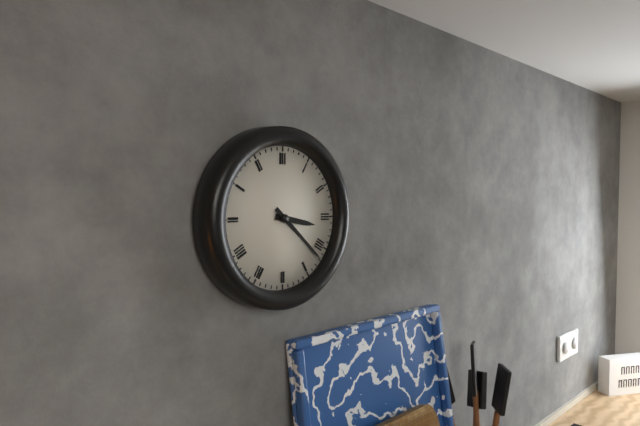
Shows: h=3 m=22
